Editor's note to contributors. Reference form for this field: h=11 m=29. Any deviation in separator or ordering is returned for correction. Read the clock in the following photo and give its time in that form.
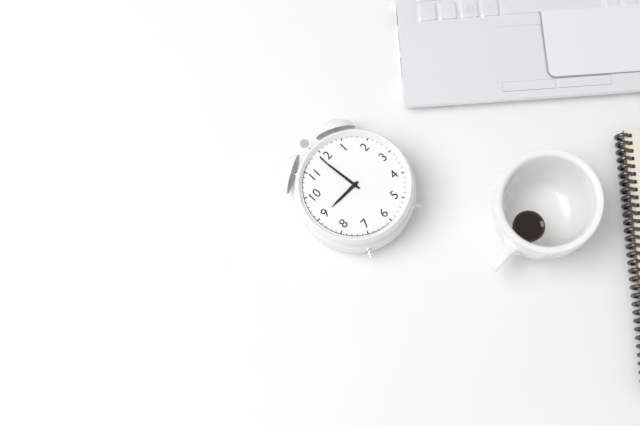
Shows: h=8 m=59
